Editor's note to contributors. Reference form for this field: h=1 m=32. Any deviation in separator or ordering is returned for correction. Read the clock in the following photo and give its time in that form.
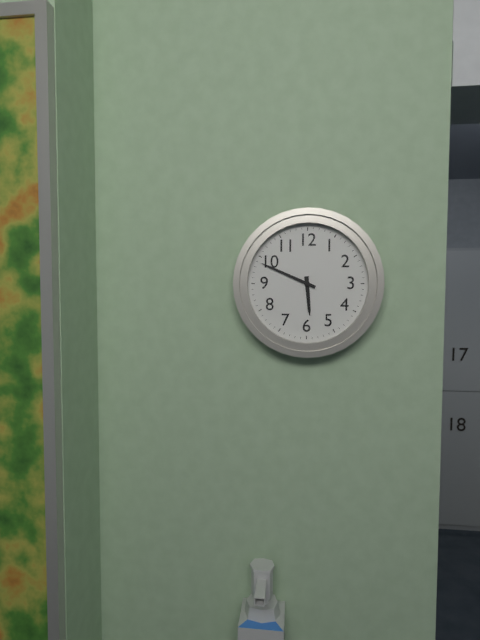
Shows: h=5 m=49
